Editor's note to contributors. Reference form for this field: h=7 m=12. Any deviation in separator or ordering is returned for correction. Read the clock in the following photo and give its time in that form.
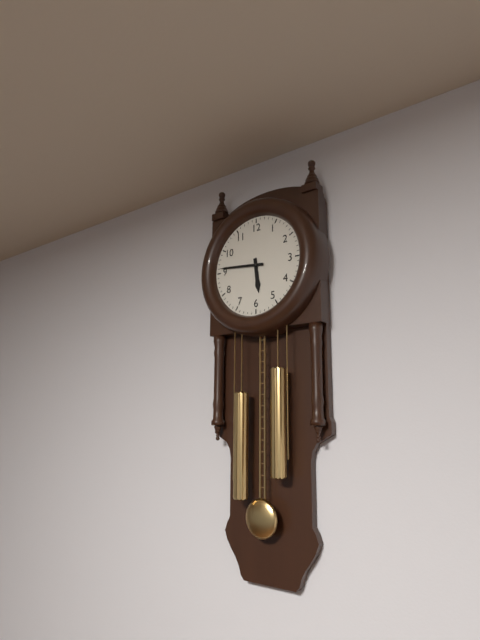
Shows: h=5 m=46
